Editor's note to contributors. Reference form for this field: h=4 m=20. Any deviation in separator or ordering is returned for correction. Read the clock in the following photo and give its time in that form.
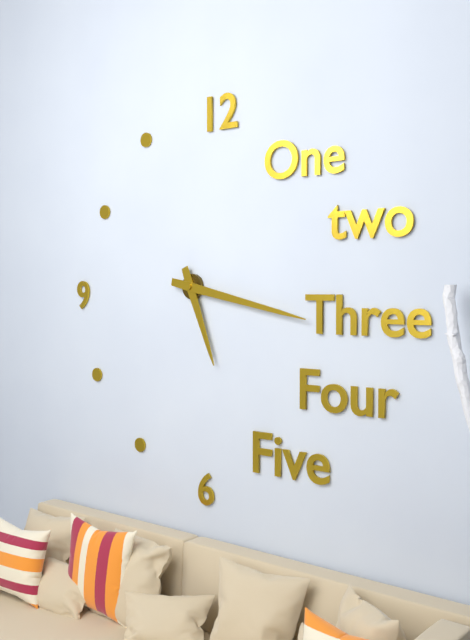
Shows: h=5 m=17
